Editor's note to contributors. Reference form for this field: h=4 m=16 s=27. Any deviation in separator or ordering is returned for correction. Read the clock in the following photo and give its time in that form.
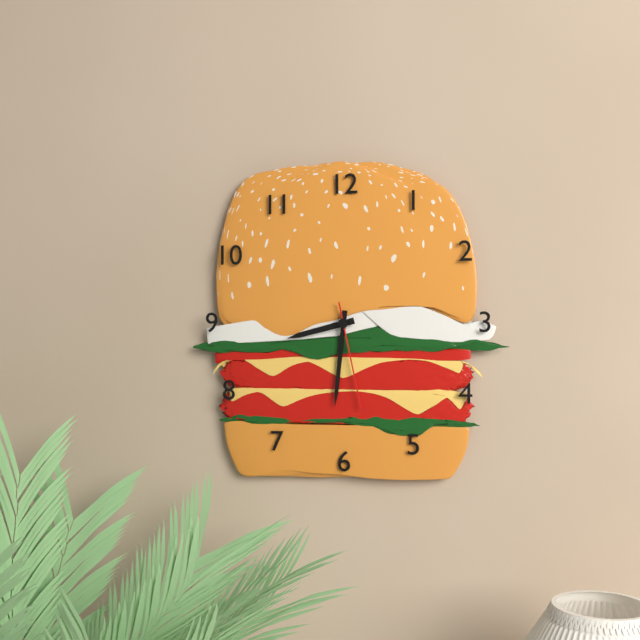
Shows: h=8 m=31 s=28
